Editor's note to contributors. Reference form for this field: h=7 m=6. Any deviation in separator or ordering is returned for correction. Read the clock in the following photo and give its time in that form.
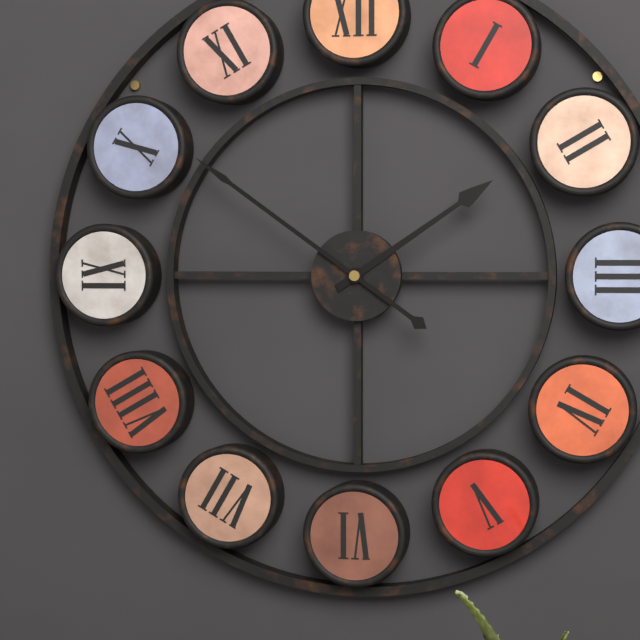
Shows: h=1 m=51
